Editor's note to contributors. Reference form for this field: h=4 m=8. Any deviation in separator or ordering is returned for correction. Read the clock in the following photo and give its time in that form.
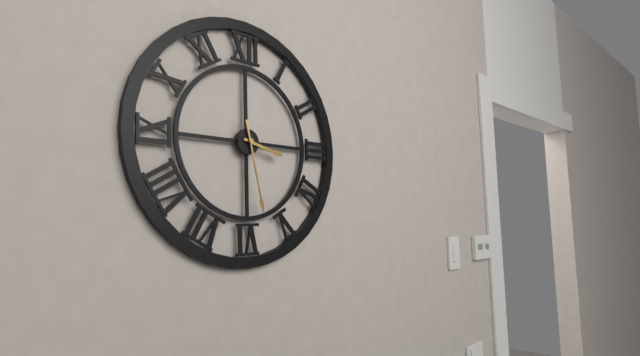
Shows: h=3 m=28
